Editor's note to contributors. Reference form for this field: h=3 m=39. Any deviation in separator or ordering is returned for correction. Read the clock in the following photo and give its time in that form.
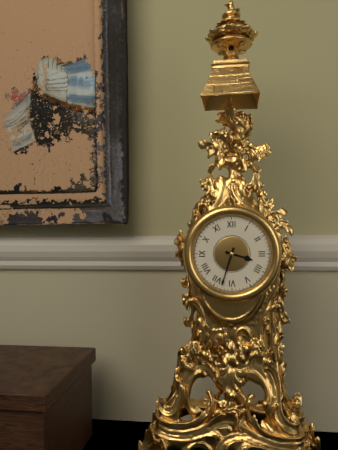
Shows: h=3 m=33
